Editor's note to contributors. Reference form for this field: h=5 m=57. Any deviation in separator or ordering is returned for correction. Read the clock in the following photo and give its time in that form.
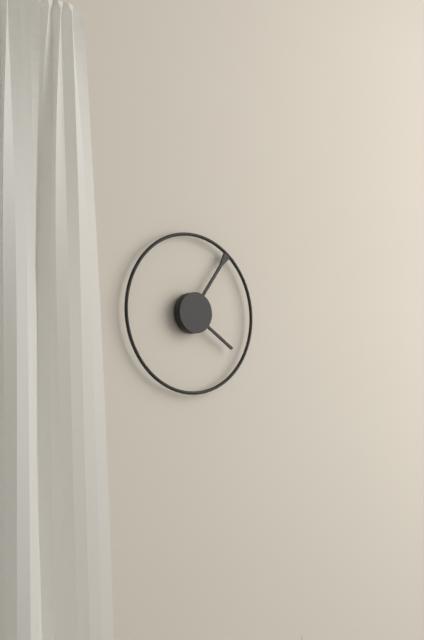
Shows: h=4 m=6
